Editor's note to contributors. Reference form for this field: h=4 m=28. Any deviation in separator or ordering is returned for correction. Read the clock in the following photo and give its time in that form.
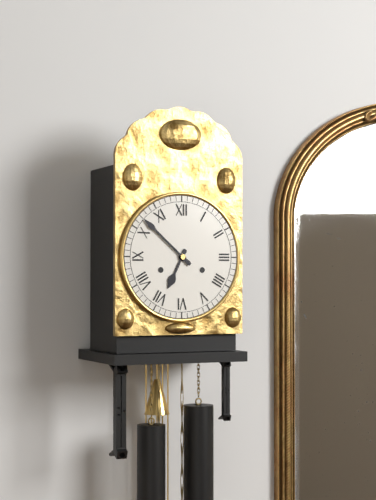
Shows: h=6 m=52
